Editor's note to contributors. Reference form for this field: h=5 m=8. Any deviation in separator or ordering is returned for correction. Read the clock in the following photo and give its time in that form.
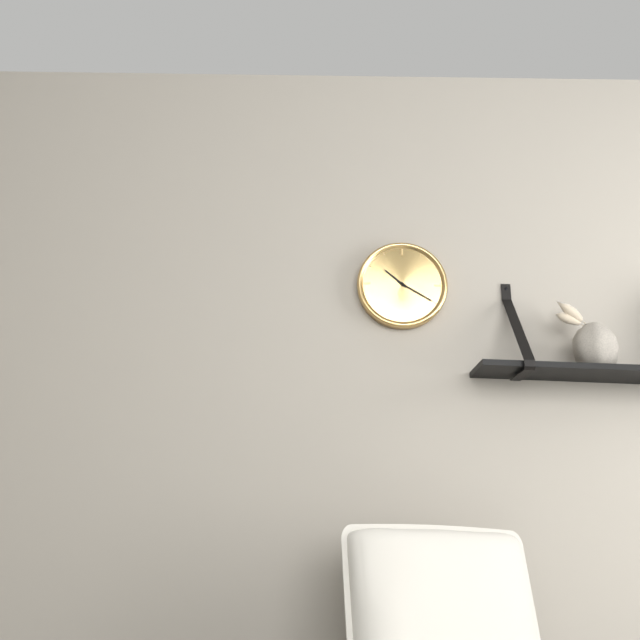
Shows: h=10 m=20
